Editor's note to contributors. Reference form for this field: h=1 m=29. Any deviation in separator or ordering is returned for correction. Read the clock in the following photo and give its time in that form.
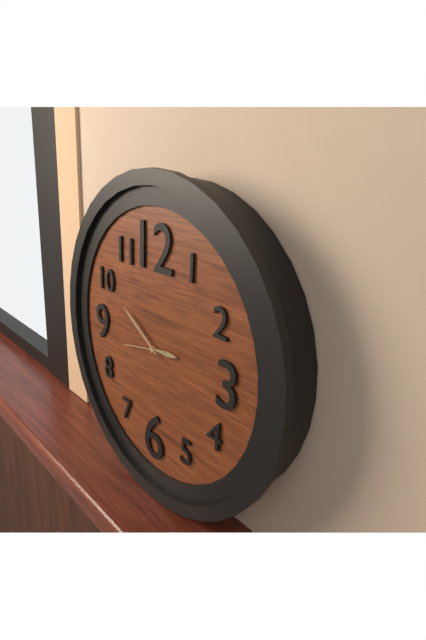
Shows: h=2 m=50
